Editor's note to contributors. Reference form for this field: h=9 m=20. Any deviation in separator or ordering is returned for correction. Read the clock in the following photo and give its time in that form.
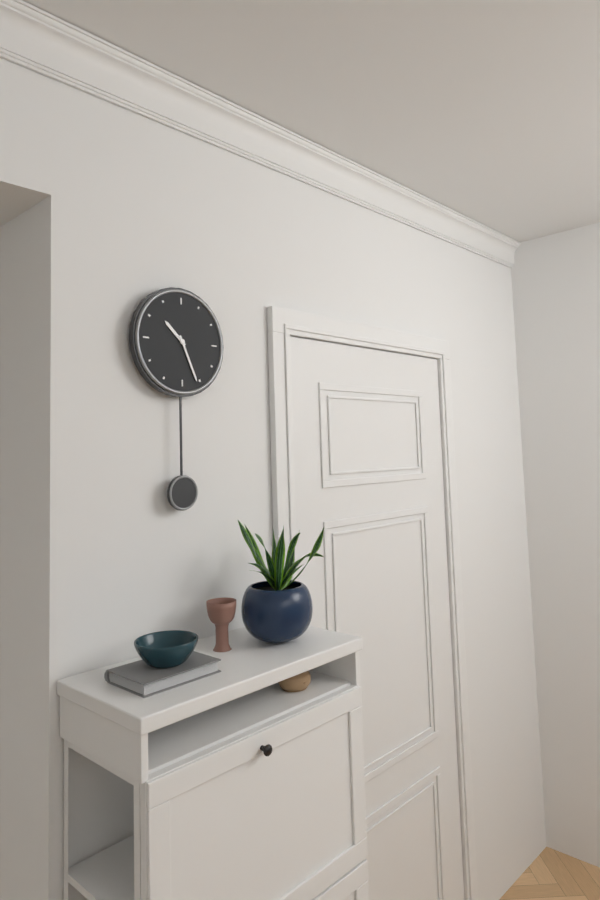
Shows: h=10 m=26
